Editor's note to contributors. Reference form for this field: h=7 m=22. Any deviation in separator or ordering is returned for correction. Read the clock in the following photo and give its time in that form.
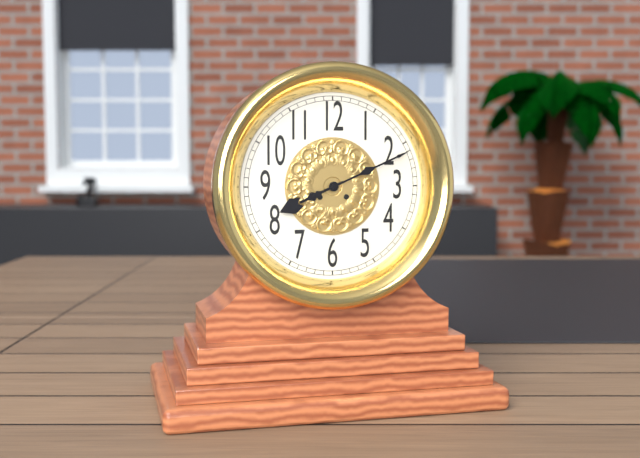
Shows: h=8 m=11
